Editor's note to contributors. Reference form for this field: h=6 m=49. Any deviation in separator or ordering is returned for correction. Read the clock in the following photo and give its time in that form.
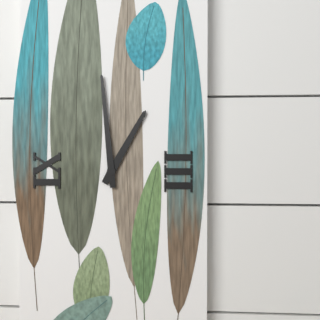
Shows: h=12 m=59
